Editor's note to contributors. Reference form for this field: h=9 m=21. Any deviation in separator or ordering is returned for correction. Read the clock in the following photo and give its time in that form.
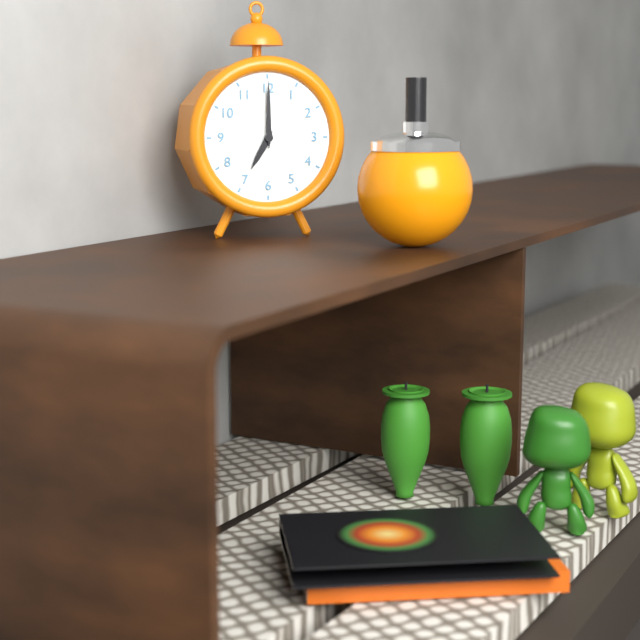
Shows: h=7 m=0
